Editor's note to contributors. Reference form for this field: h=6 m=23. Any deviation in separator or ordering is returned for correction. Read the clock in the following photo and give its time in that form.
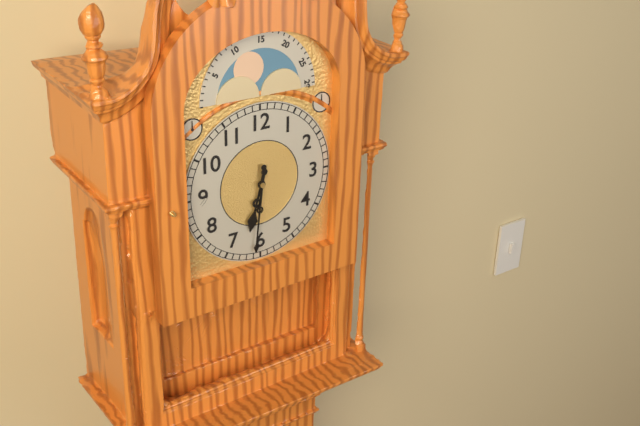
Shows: h=6 m=31
